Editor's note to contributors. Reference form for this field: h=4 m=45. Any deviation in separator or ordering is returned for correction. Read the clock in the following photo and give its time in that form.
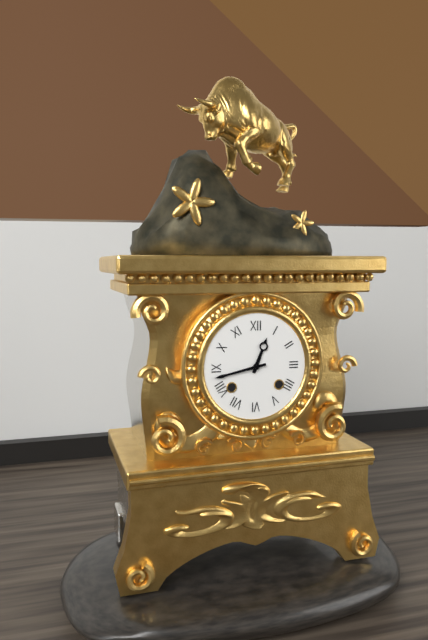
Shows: h=12 m=43
